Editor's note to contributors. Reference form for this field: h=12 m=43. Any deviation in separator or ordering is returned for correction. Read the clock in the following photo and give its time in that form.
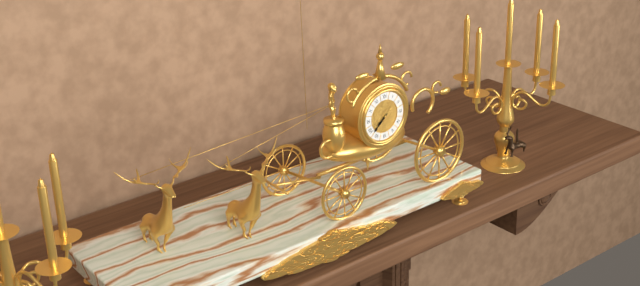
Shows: h=7 m=38
